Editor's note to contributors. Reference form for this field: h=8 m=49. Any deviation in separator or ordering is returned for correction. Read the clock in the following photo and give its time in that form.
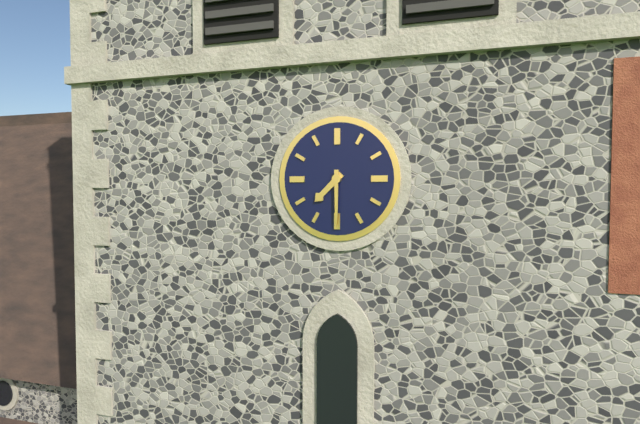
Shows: h=7 m=30
